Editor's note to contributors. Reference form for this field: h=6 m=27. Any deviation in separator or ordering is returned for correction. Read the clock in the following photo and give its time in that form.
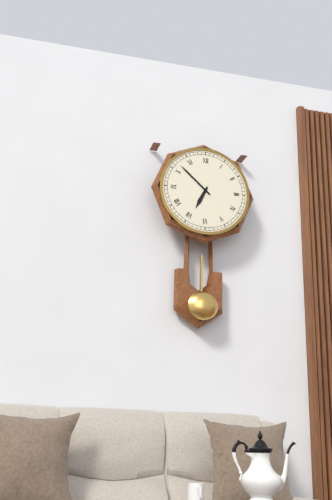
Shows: h=6 m=52
